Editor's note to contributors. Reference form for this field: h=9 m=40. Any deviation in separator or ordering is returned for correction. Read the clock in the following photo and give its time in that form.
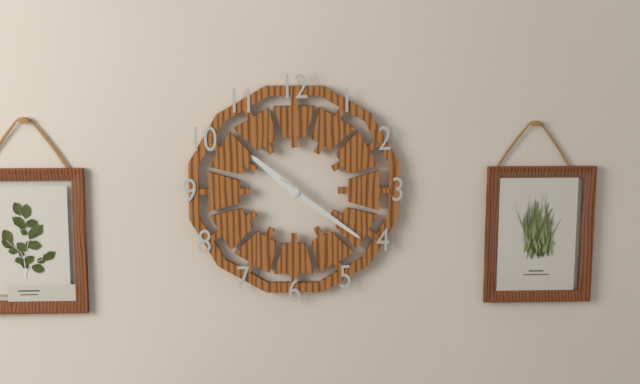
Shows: h=10 m=21
